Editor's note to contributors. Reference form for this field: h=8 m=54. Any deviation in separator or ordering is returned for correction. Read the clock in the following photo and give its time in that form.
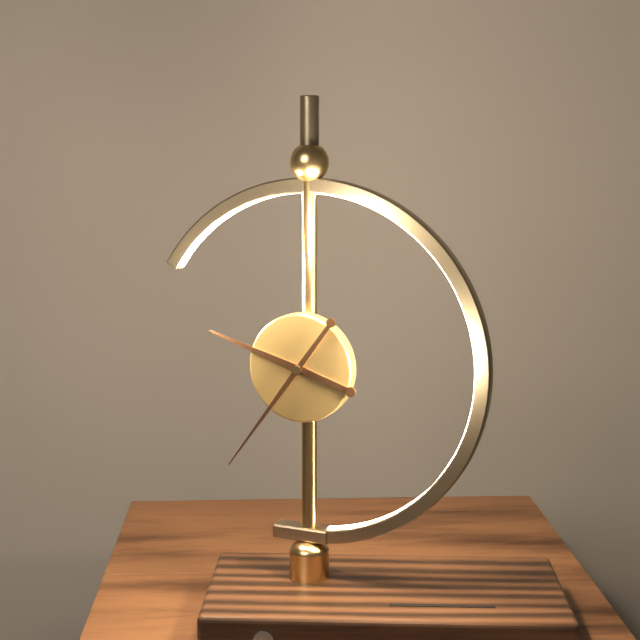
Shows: h=9 m=36
